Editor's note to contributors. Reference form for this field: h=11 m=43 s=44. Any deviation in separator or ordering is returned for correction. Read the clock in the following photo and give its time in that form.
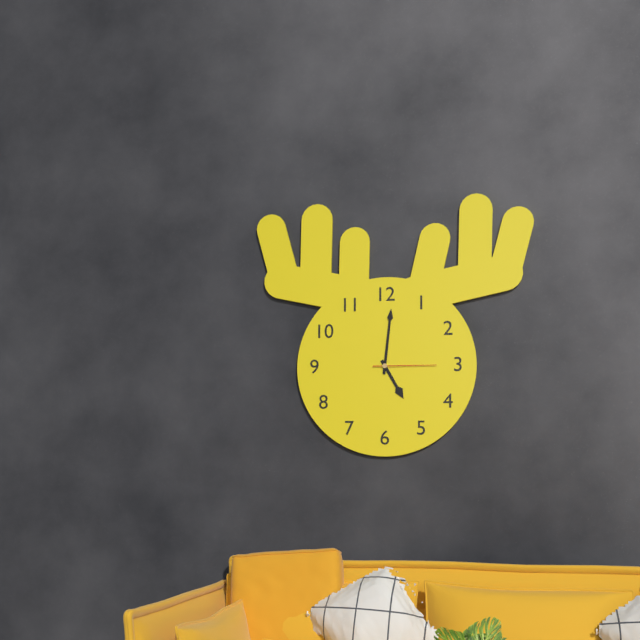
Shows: h=5 m=1 s=15
